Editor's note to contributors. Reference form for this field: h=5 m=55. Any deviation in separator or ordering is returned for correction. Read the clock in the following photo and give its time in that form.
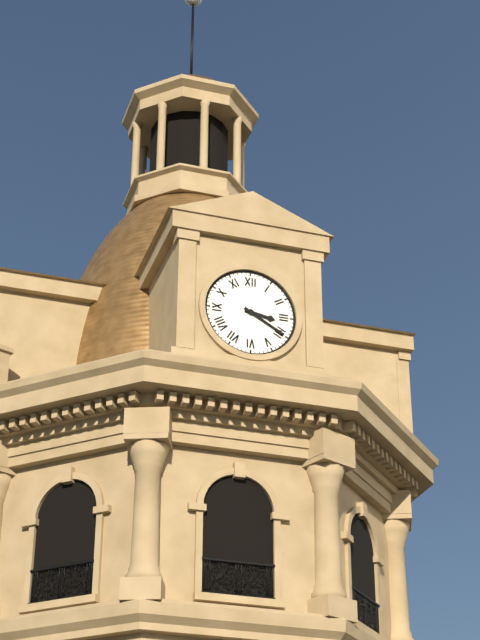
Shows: h=3 m=20
